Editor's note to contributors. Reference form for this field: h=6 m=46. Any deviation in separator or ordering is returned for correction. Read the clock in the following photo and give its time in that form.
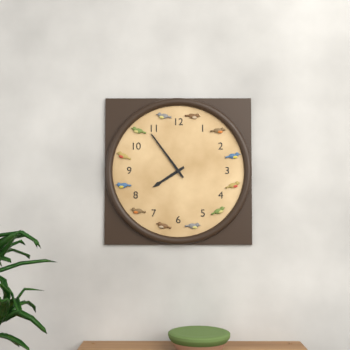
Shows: h=7 m=54
